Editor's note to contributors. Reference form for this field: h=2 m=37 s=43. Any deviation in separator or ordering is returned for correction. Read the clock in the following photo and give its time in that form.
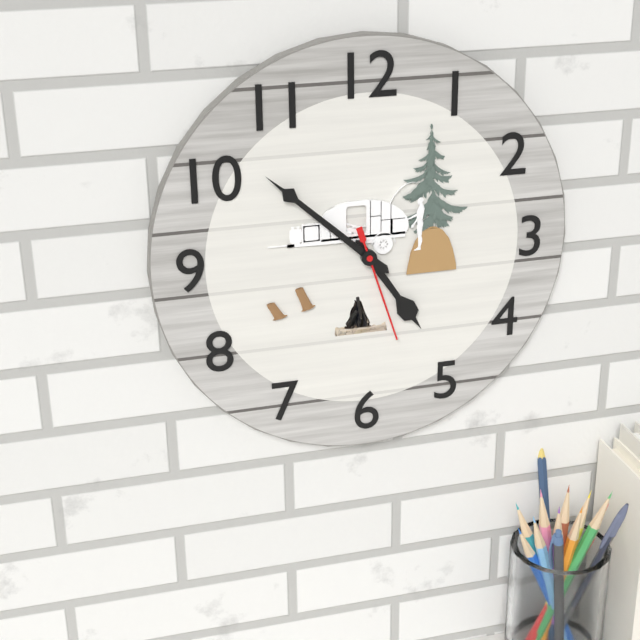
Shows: h=4 m=52 s=27
